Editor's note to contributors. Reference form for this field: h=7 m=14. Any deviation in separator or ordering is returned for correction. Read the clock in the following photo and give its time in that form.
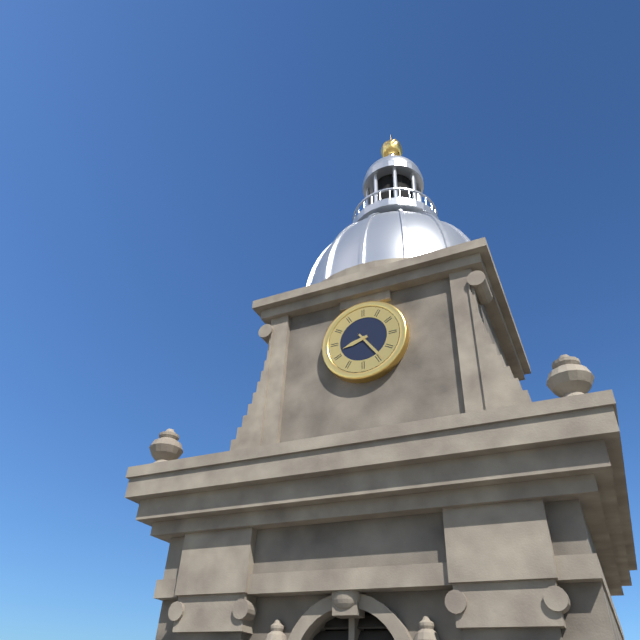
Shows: h=8 m=24
